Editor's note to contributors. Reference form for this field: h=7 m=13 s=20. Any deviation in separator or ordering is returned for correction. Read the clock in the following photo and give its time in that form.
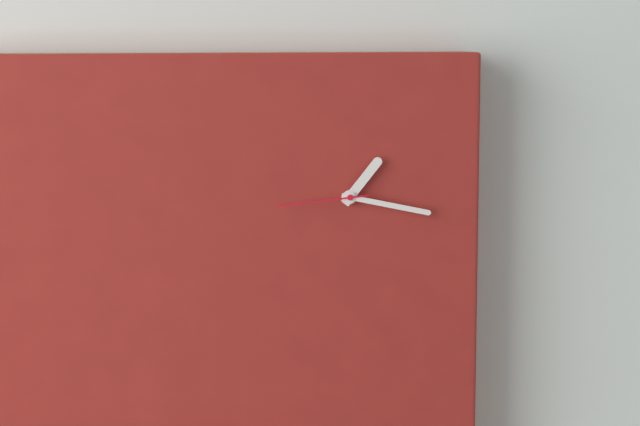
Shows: h=1 m=17 s=44
